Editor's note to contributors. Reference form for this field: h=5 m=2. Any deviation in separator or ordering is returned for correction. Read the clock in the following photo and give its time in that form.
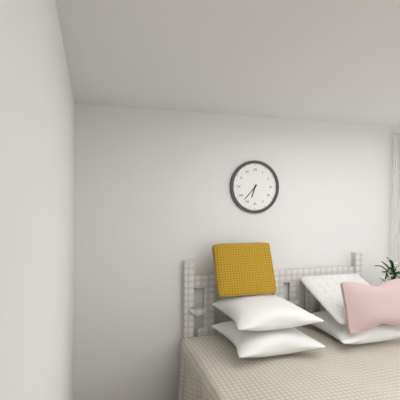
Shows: h=6 m=37
